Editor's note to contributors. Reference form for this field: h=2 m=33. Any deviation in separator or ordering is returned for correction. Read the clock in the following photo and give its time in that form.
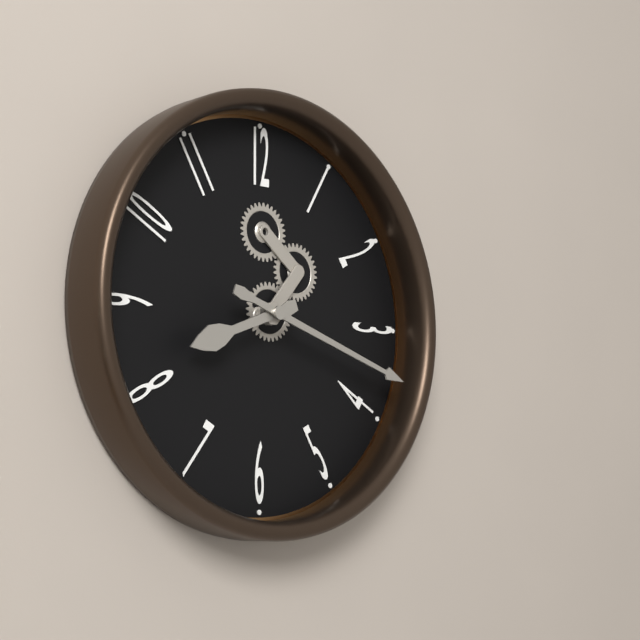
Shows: h=8 m=18
